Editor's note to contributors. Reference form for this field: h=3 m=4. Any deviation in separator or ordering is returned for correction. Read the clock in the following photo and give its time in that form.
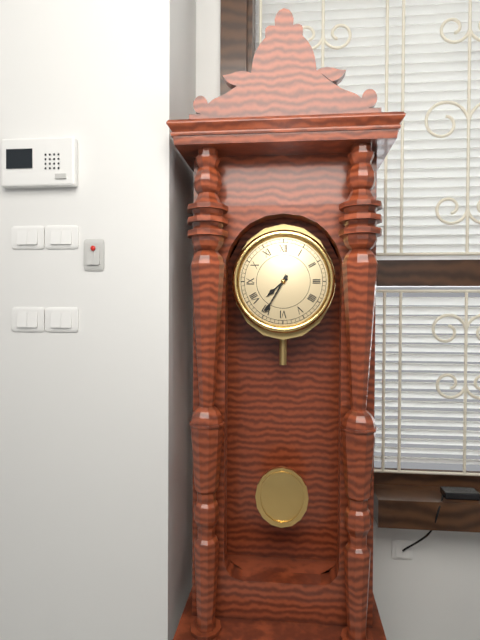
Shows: h=7 m=35
